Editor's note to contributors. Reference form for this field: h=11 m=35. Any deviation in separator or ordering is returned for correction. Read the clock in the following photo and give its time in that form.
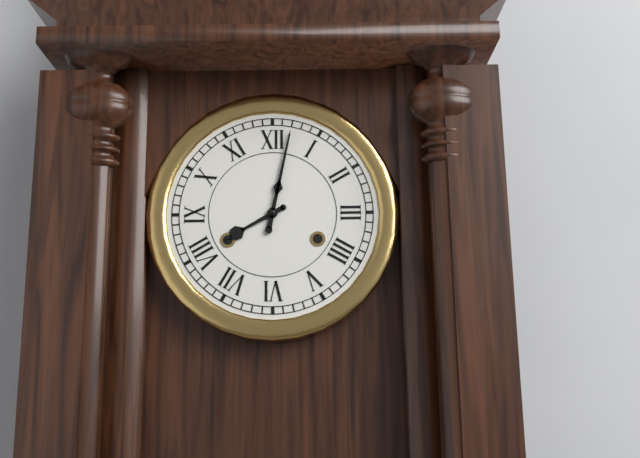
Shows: h=8 m=2
